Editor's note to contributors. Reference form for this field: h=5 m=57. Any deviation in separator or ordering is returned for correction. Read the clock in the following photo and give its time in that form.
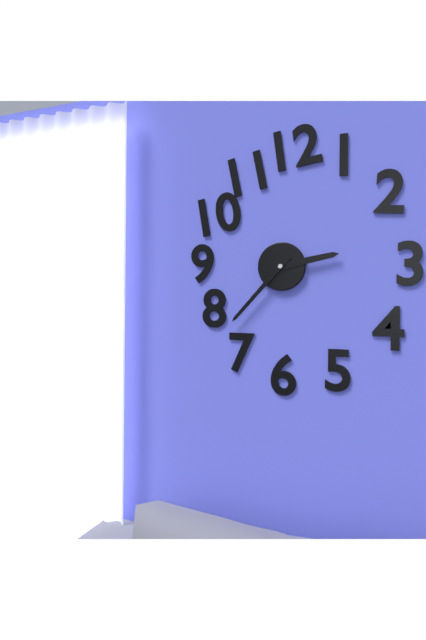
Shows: h=2 m=37
